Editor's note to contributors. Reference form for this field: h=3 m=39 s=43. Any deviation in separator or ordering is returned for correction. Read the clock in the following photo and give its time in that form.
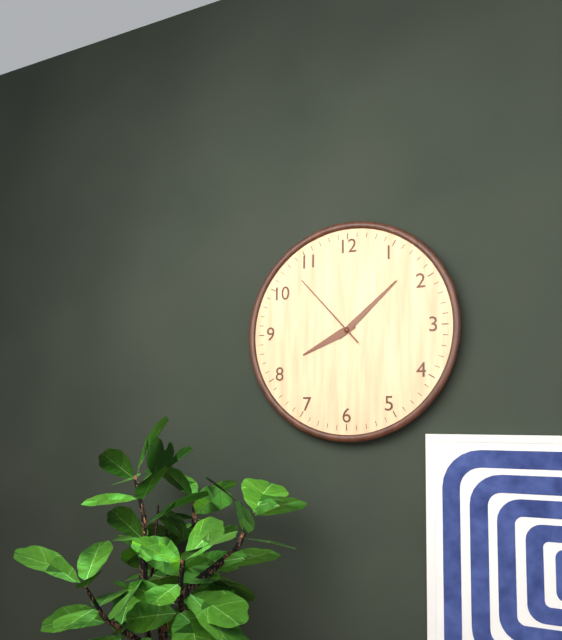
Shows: h=8 m=8 s=53
